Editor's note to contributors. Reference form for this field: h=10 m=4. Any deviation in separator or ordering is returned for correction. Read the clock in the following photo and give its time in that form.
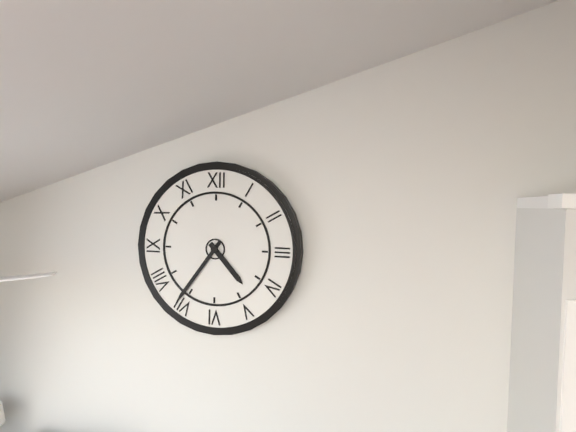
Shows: h=4 m=36
